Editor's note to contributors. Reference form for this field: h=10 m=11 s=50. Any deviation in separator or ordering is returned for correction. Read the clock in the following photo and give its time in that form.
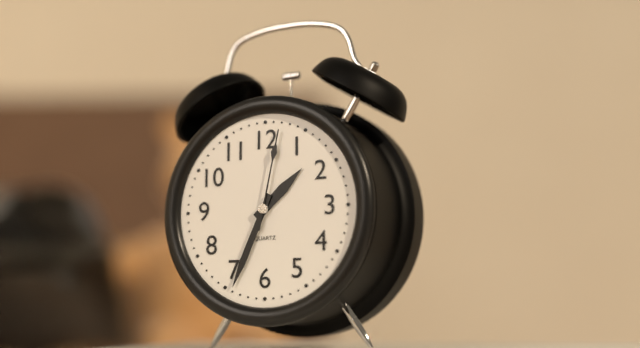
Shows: h=1 m=34 s=2
